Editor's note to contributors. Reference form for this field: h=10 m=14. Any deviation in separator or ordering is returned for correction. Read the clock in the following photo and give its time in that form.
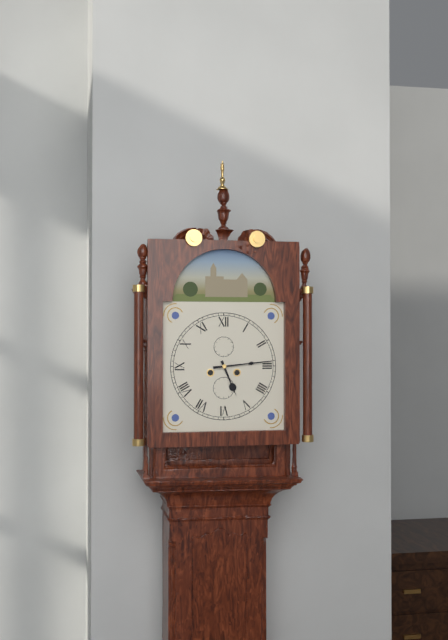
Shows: h=5 m=14
